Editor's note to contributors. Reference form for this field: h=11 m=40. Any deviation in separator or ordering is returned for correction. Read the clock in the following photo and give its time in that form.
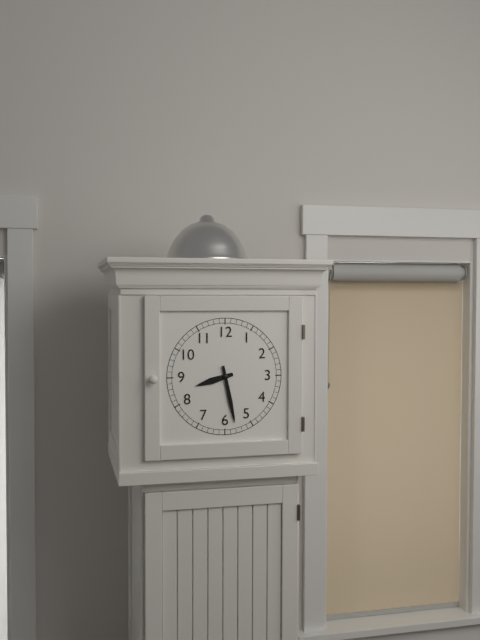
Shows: h=8 m=28
